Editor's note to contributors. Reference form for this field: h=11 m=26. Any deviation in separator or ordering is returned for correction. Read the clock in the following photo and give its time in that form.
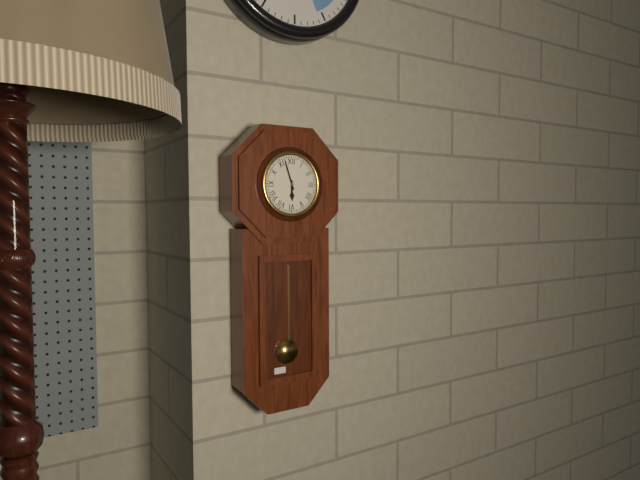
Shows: h=5 m=57
